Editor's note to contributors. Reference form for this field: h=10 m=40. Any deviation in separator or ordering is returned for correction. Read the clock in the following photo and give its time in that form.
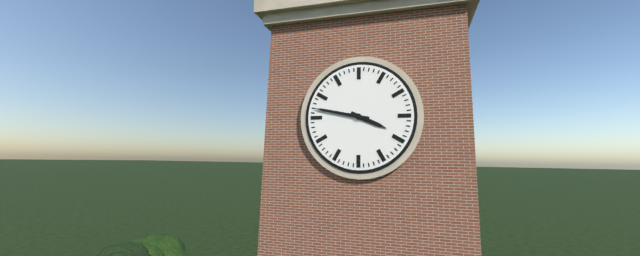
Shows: h=3 m=47
